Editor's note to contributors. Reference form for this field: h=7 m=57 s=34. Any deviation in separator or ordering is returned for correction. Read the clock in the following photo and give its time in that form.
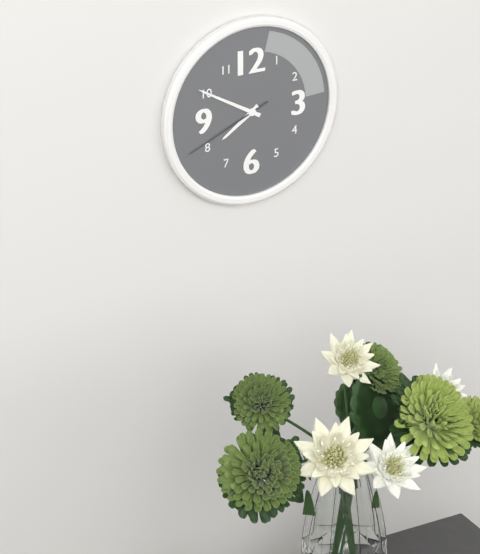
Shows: h=7 m=50 s=41
